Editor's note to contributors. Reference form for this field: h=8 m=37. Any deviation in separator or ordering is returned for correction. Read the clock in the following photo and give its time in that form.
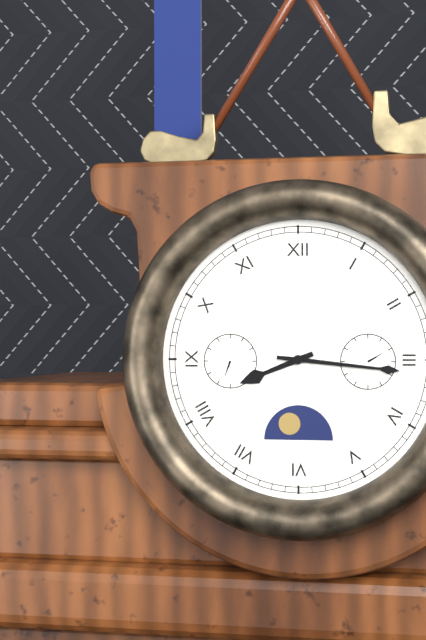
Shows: h=8 m=16
